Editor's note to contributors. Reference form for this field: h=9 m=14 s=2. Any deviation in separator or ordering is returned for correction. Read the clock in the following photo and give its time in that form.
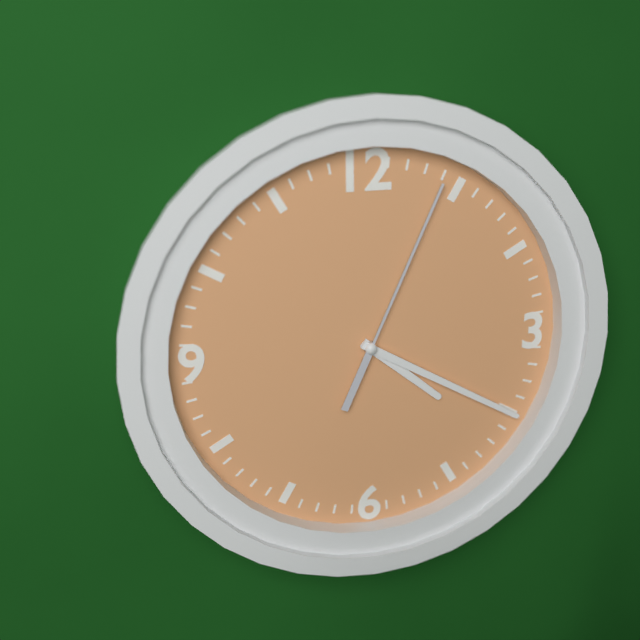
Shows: h=4 m=20 s=4
